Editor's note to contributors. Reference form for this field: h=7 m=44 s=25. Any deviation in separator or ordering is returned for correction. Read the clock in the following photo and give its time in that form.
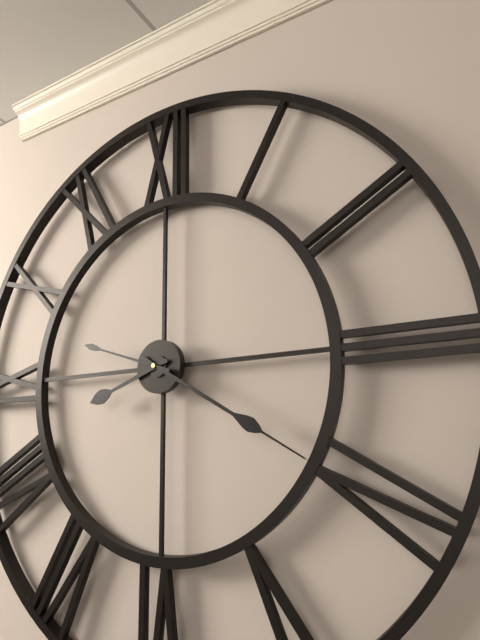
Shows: h=8 m=20 s=48
